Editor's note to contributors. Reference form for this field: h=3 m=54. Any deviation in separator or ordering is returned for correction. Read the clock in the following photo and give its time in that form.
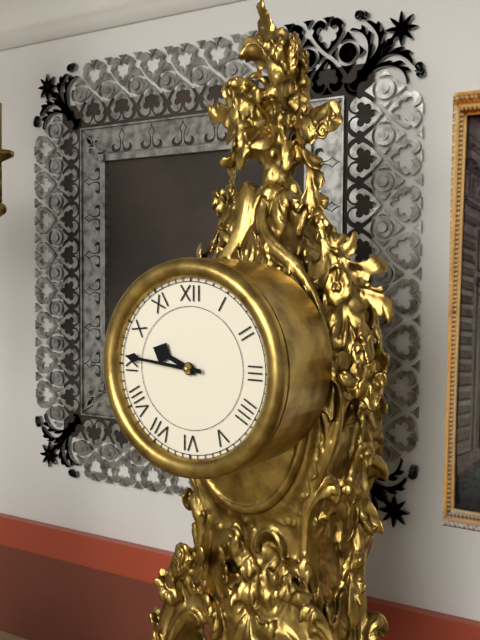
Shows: h=9 m=46
